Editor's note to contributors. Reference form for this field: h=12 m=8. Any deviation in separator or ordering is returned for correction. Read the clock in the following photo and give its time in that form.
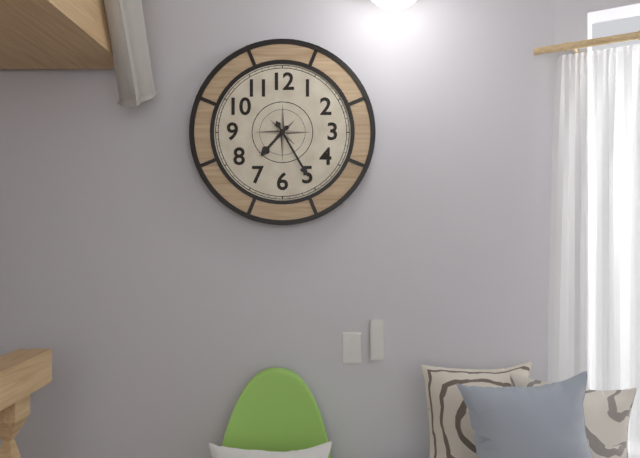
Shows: h=7 m=25
